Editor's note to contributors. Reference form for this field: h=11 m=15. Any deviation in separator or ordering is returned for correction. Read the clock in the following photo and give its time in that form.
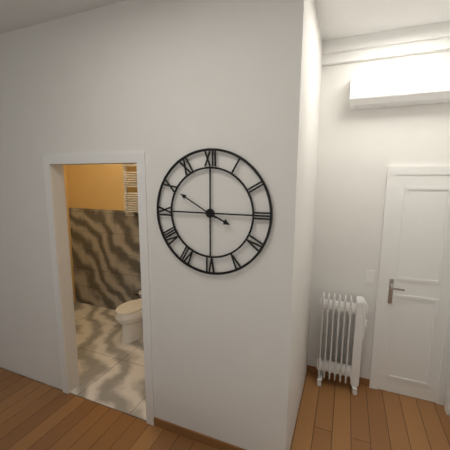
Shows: h=3 m=50
